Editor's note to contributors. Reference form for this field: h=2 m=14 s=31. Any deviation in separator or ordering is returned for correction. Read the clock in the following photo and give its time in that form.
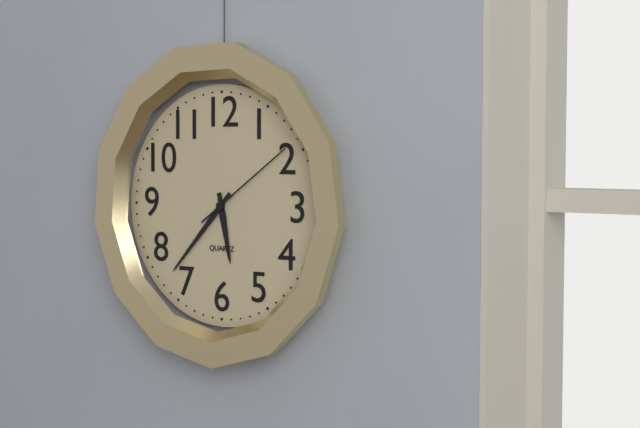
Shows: h=5 m=37 s=9
